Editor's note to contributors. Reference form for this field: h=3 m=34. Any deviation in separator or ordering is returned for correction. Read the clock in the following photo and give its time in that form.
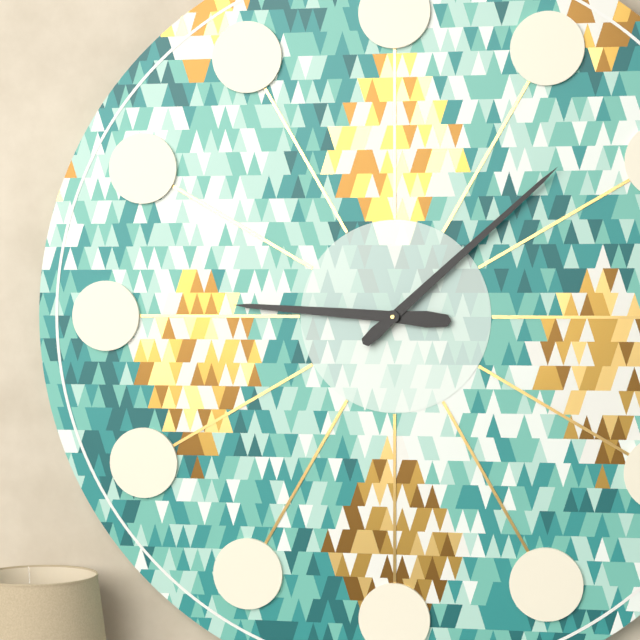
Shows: h=9 m=8
